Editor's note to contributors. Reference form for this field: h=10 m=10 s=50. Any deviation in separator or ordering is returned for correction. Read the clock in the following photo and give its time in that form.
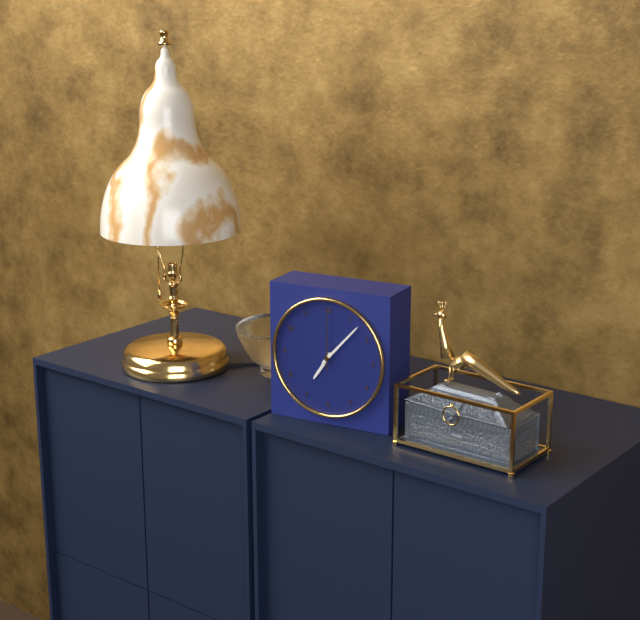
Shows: h=7 m=7 s=0
